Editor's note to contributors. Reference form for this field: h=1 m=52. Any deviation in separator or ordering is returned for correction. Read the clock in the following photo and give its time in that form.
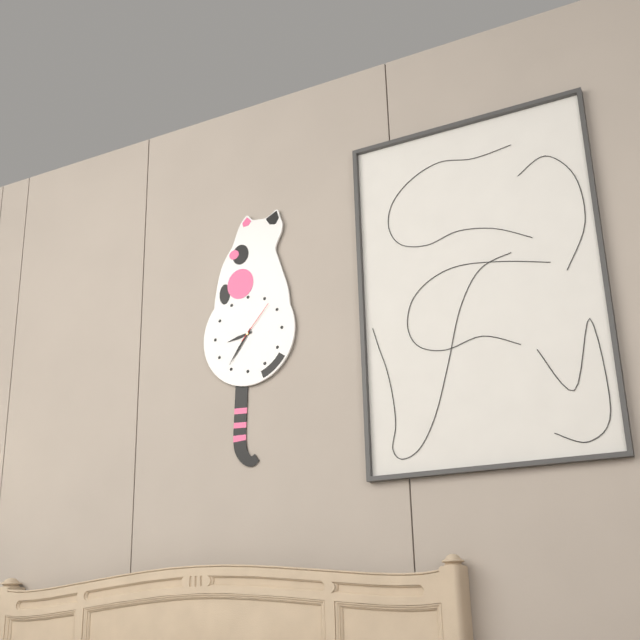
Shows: h=8 m=36
